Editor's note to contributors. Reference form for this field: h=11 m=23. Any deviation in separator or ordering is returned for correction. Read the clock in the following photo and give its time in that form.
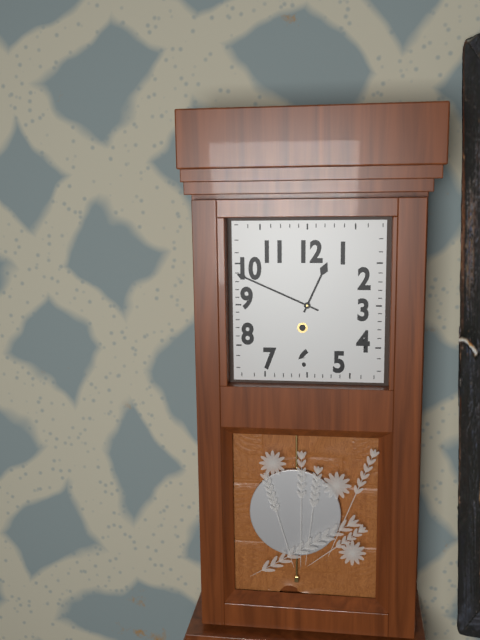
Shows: h=12 m=49
